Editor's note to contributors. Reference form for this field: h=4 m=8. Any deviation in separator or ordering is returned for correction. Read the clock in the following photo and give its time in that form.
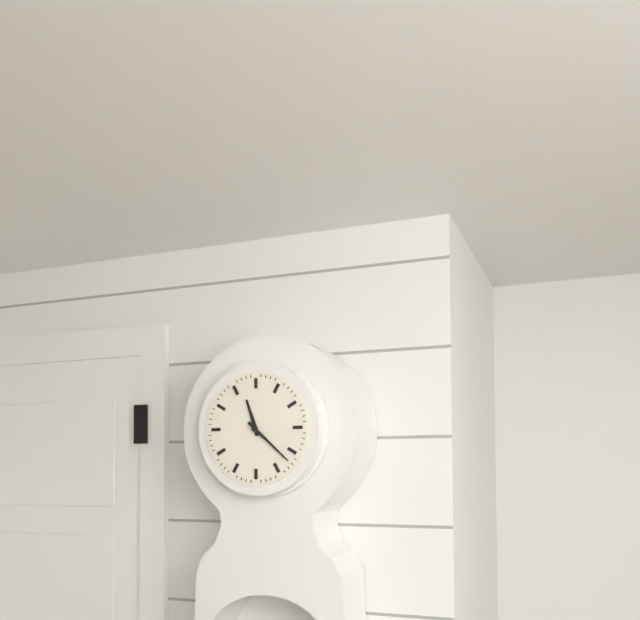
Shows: h=11 m=22
